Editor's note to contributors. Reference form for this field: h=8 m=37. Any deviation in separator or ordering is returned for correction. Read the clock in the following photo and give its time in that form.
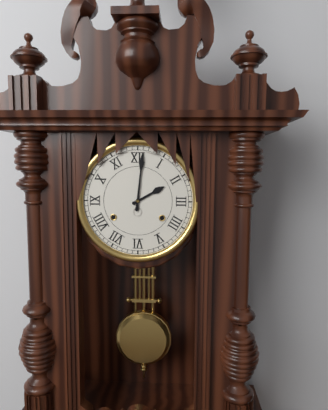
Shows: h=2 m=1
